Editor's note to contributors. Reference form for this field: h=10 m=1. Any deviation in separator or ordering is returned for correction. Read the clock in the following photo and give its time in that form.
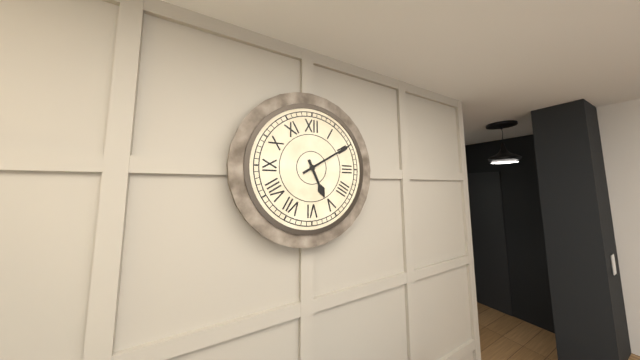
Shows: h=5 m=10
